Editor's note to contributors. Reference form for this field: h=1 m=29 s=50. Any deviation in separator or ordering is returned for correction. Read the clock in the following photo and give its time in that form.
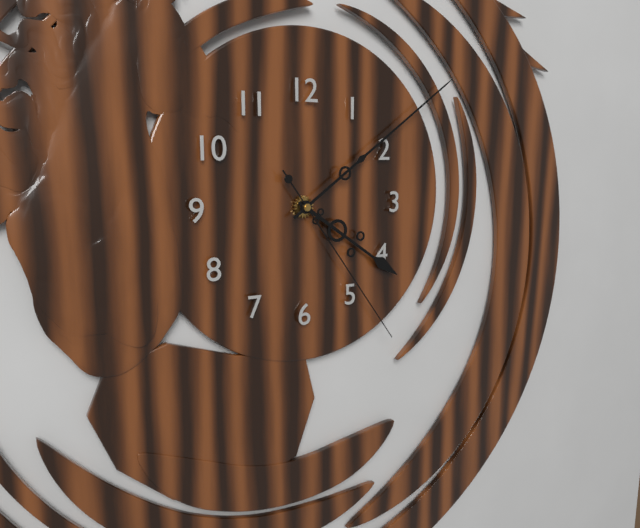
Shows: h=4 m=9 s=24
